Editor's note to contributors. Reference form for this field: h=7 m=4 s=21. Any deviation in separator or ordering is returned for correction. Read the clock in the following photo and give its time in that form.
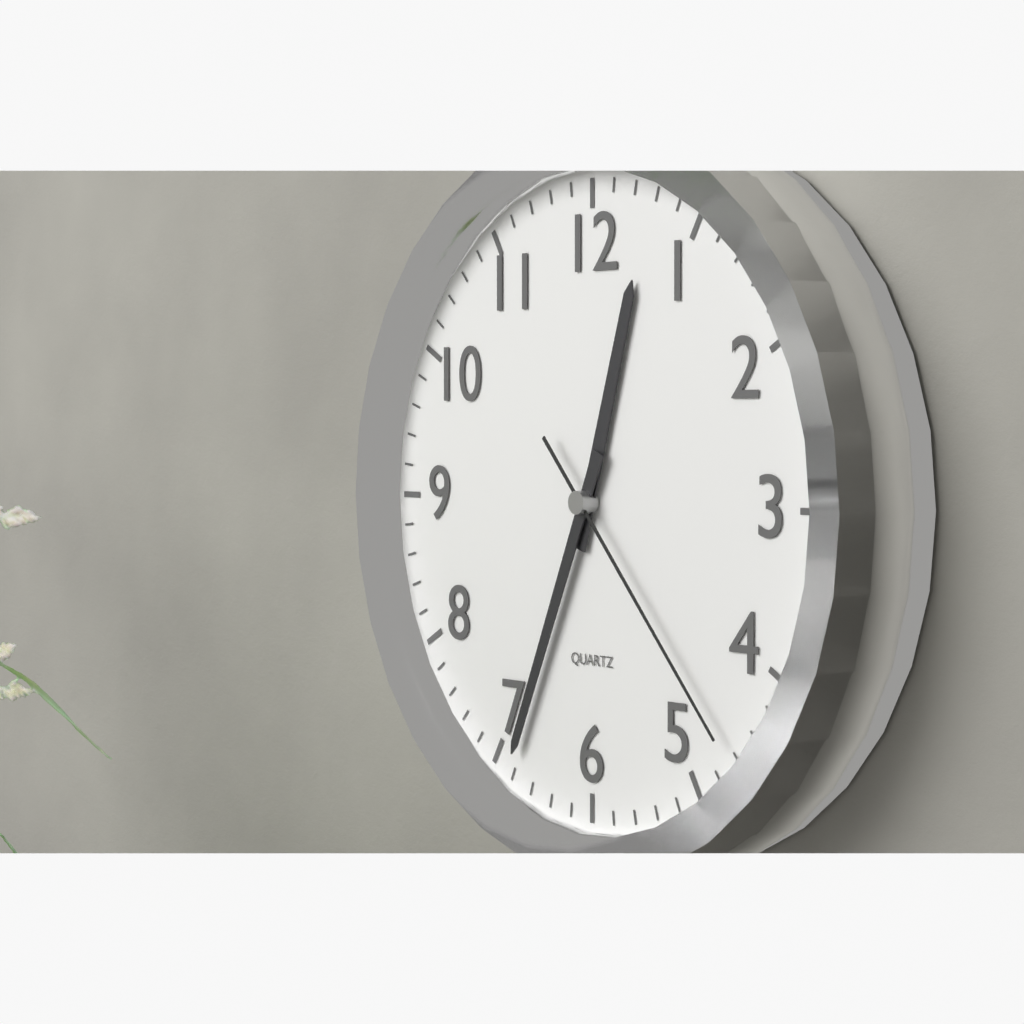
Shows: h=12 m=34 s=23
